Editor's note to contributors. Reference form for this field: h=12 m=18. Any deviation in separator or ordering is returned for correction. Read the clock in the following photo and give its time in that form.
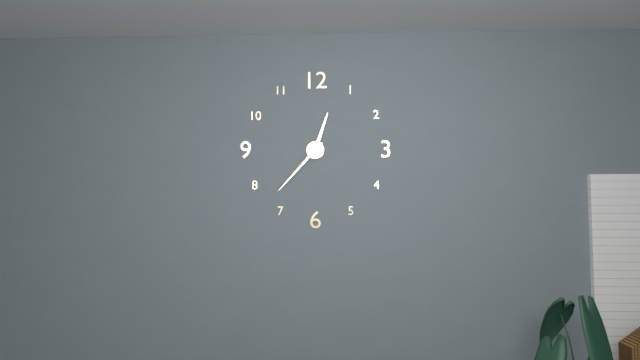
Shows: h=12 m=37
